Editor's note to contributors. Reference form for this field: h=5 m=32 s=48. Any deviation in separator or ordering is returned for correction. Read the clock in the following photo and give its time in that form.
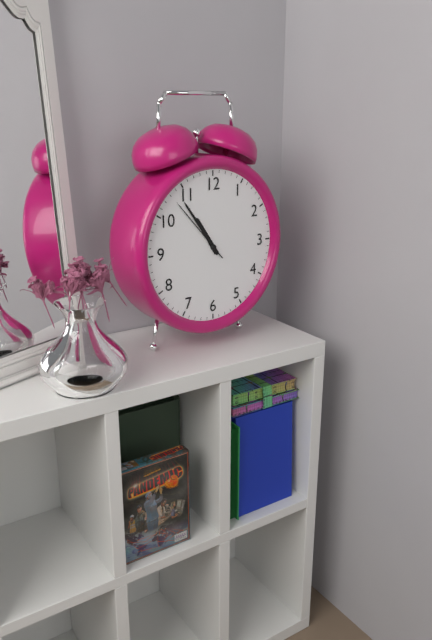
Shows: h=10 m=54 s=53
